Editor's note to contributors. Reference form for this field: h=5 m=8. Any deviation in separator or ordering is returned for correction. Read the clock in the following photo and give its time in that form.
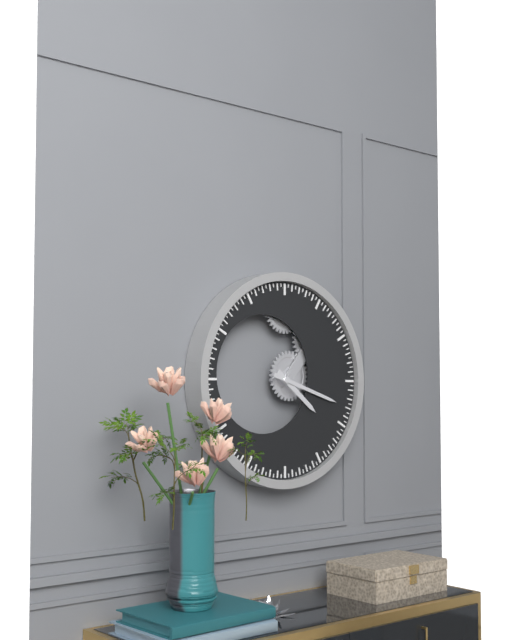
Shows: h=4 m=18
